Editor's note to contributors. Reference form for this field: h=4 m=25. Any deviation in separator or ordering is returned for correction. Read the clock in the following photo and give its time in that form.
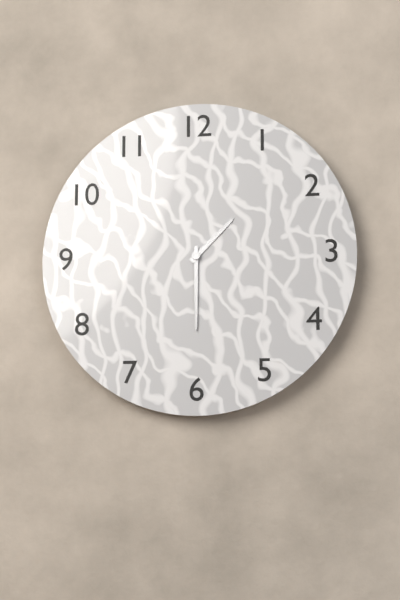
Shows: h=1 m=30
